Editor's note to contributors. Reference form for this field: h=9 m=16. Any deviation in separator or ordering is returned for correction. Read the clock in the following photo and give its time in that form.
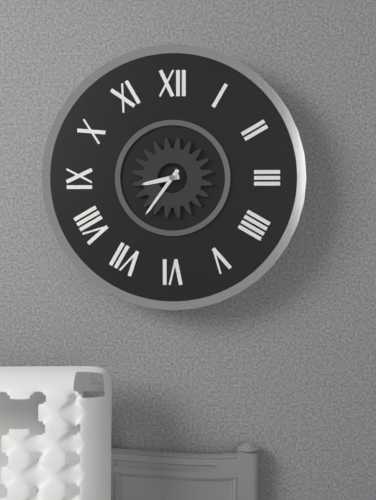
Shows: h=8 m=36
